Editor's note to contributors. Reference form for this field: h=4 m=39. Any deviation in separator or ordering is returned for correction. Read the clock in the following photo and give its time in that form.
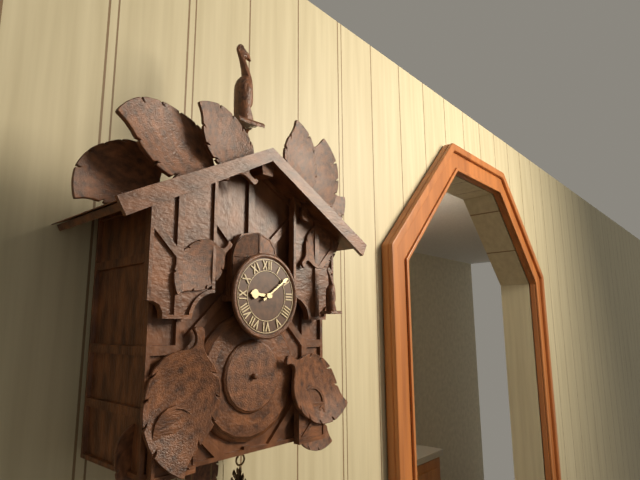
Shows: h=9 m=9
